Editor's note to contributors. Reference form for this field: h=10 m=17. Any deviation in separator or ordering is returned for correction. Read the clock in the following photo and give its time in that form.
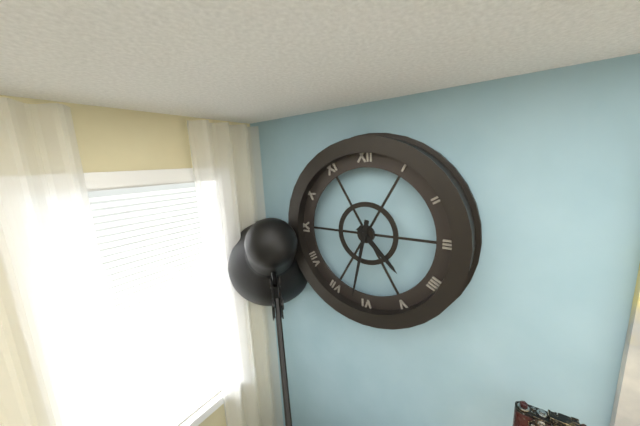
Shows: h=4 m=32
